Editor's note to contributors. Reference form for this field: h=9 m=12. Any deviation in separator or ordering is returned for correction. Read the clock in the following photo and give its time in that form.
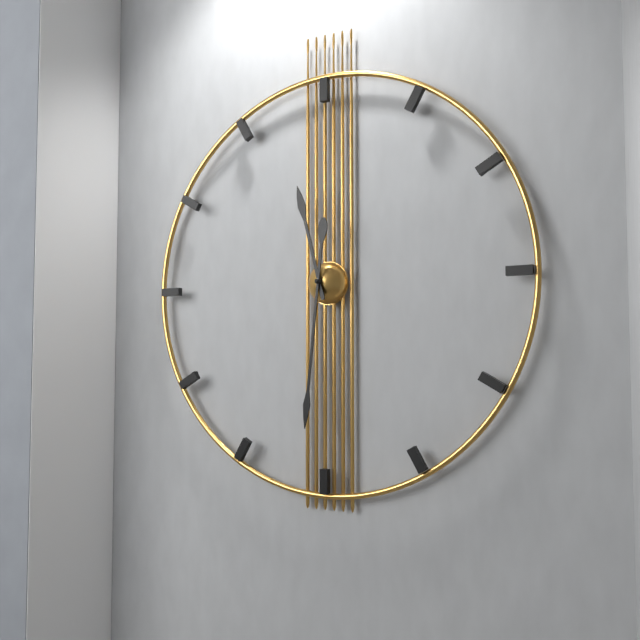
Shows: h=11 m=31
